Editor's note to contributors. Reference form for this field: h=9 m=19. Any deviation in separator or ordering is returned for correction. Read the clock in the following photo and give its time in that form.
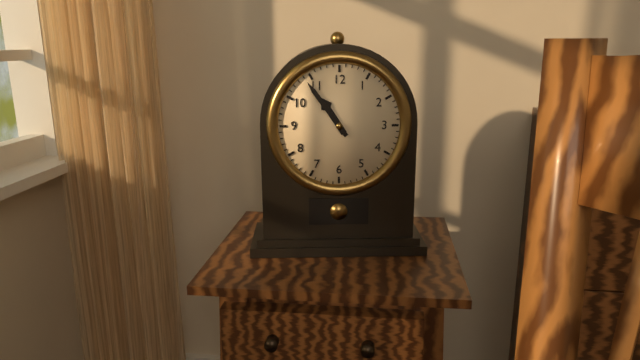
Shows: h=10 m=54
